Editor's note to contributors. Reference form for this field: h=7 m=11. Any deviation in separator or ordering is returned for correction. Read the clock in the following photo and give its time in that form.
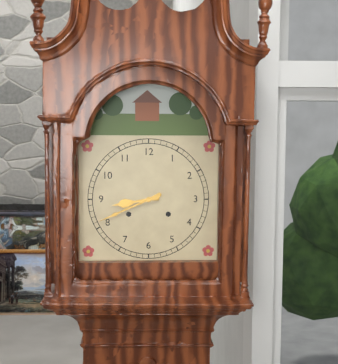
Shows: h=8 m=41
